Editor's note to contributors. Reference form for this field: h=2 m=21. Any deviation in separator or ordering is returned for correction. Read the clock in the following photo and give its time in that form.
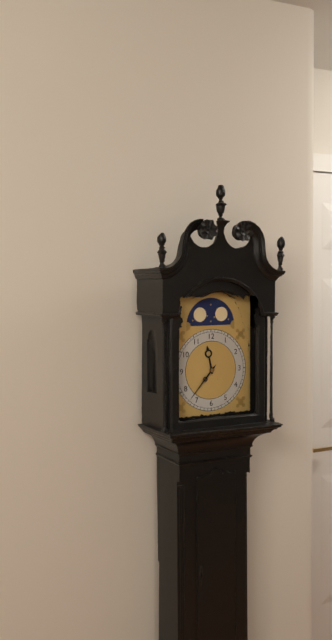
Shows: h=11 m=37
